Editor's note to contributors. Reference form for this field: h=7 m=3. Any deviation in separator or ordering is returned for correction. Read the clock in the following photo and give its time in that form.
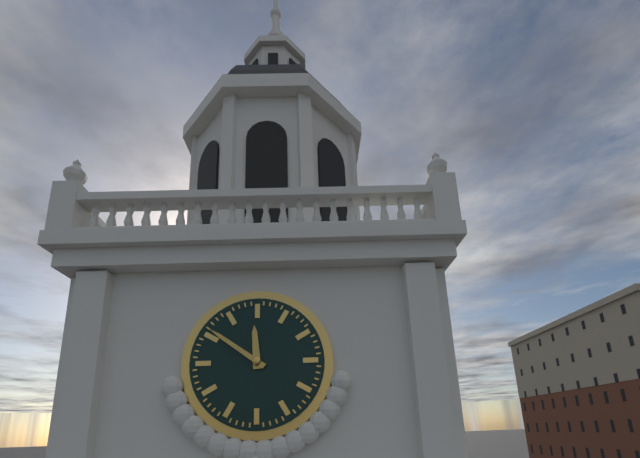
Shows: h=11 m=51
